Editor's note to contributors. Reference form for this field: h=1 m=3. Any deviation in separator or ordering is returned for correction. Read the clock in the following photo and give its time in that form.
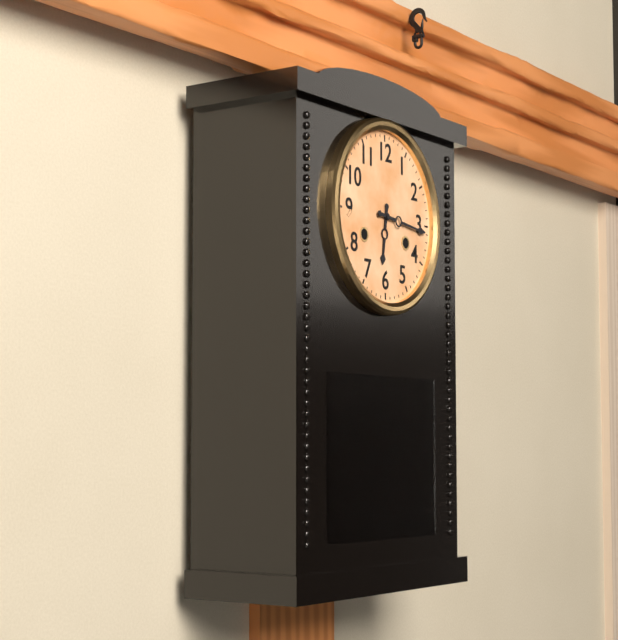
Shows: h=6 m=16
